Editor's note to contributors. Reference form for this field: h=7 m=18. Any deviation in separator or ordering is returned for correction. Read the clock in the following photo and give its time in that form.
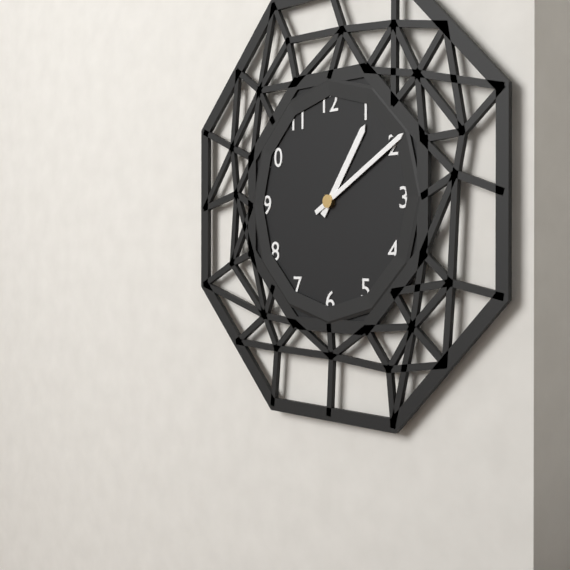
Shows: h=1 m=10
